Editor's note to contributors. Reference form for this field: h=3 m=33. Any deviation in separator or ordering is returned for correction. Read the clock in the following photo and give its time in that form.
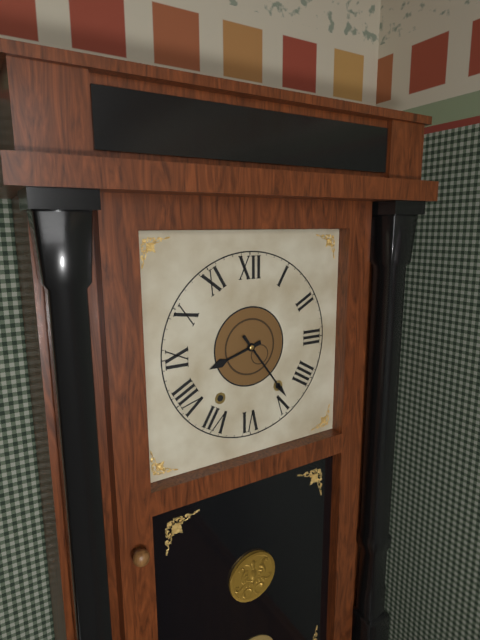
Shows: h=8 m=24
